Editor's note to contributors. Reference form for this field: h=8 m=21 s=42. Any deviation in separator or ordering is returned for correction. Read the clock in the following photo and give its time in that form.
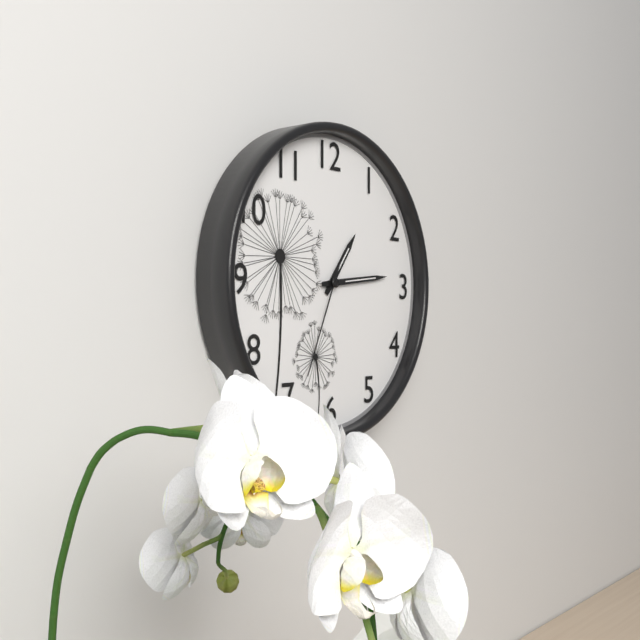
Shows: h=1 m=14 s=34
